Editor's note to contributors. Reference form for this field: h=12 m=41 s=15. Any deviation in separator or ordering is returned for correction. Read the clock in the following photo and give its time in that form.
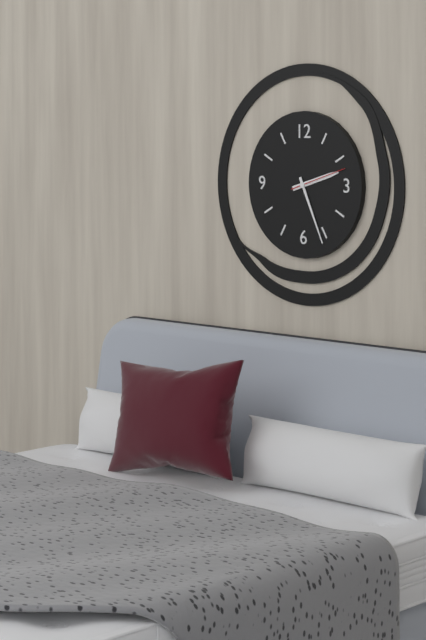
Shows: h=2 m=26 s=12
